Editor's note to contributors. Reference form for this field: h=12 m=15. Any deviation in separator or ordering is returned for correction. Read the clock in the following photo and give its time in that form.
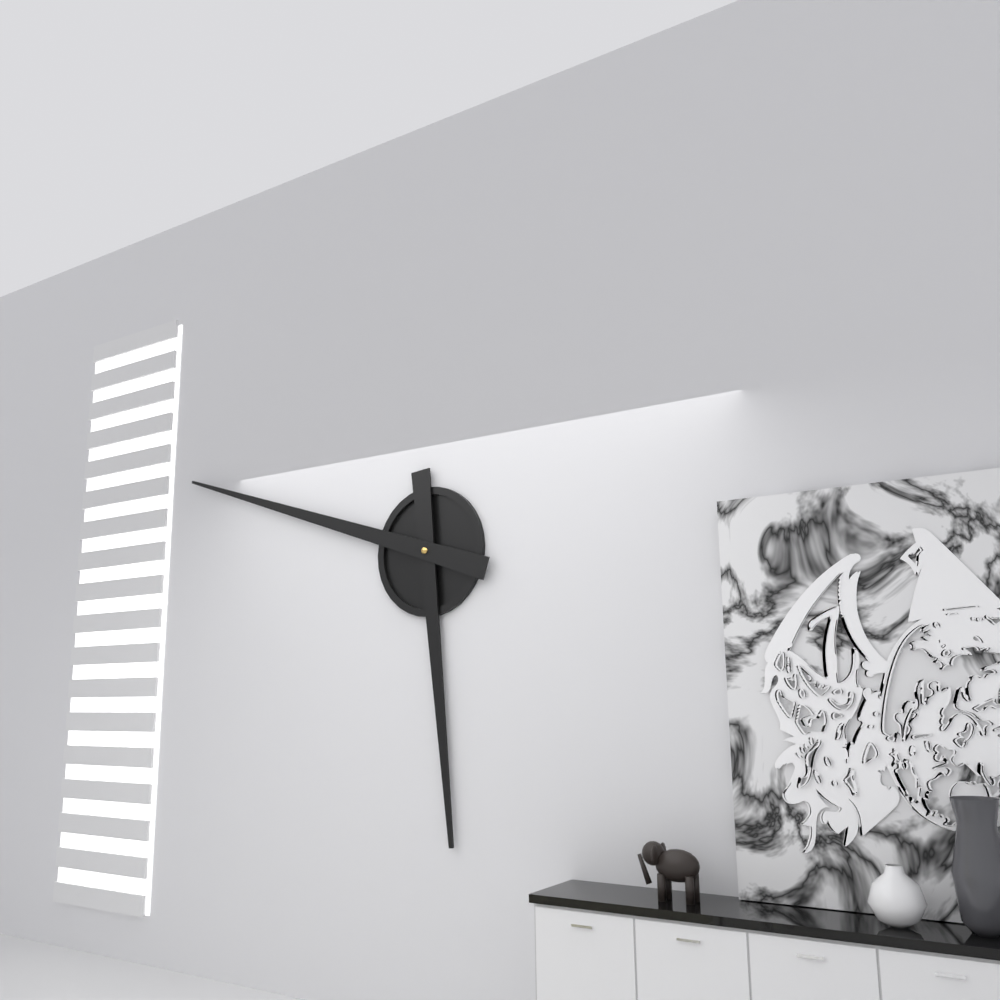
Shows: h=5 m=48
